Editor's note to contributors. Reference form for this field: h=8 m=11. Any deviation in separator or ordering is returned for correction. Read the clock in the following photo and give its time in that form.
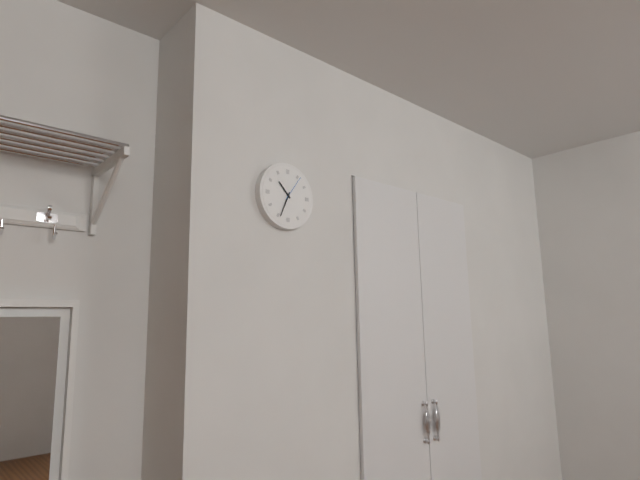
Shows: h=10 m=34
